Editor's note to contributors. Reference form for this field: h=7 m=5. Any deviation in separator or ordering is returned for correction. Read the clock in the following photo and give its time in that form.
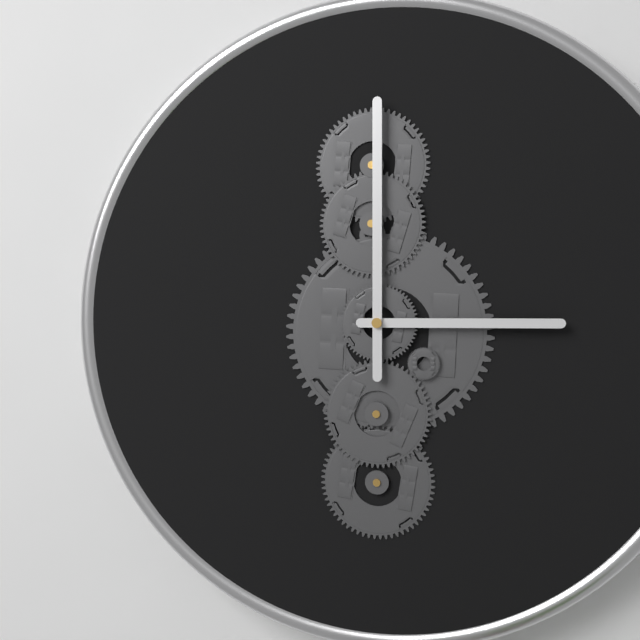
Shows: h=3 m=0
